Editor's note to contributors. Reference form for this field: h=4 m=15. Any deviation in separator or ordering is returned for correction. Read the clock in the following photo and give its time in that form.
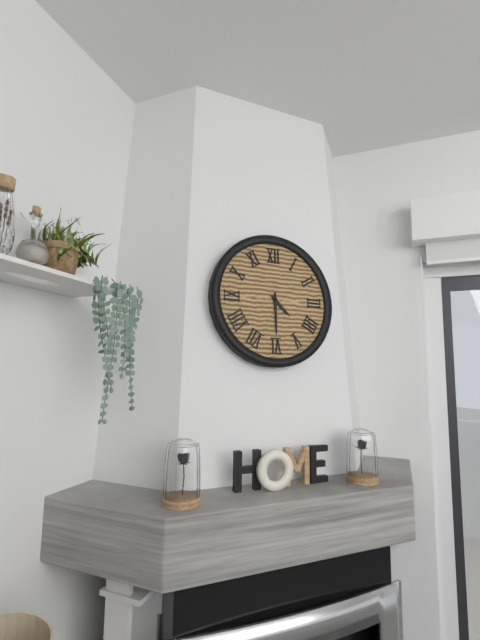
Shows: h=4 m=30
